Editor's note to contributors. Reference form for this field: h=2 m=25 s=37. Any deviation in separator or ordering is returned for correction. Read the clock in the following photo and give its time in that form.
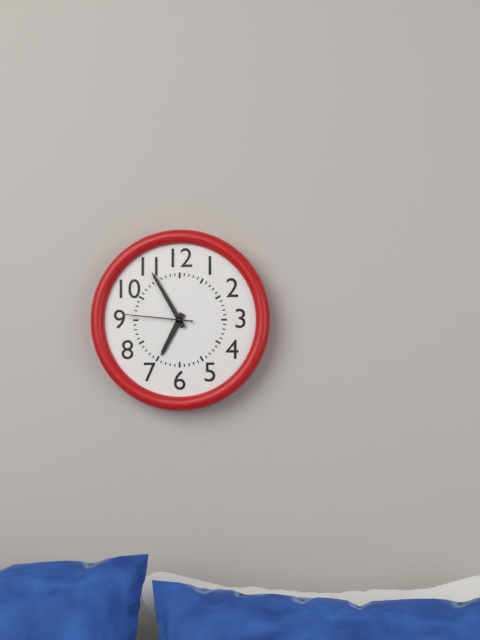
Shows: h=6 m=55 s=46
